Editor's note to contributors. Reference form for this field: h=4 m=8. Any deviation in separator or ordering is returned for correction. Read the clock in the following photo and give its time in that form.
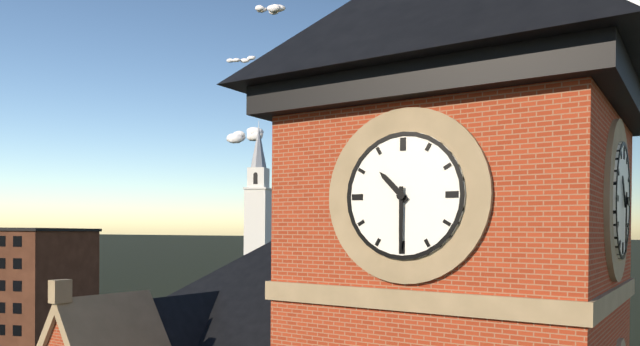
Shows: h=10 m=30
